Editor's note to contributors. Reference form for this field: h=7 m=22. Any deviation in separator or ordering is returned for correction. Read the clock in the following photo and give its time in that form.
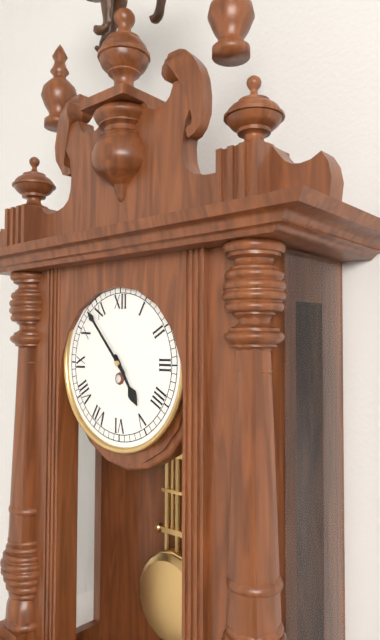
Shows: h=4 m=53
